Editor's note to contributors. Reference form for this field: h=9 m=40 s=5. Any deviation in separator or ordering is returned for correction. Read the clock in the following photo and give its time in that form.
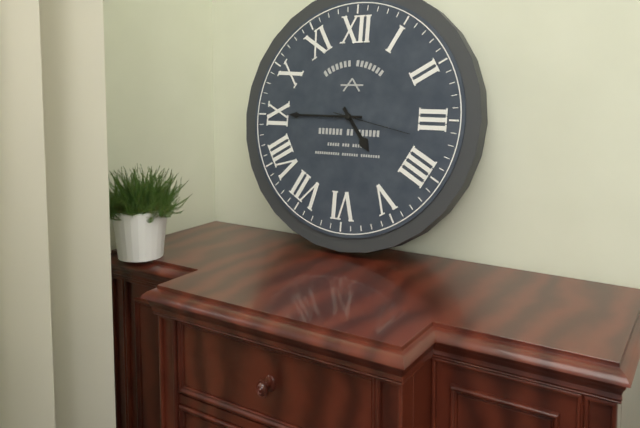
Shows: h=4 m=45 s=17
